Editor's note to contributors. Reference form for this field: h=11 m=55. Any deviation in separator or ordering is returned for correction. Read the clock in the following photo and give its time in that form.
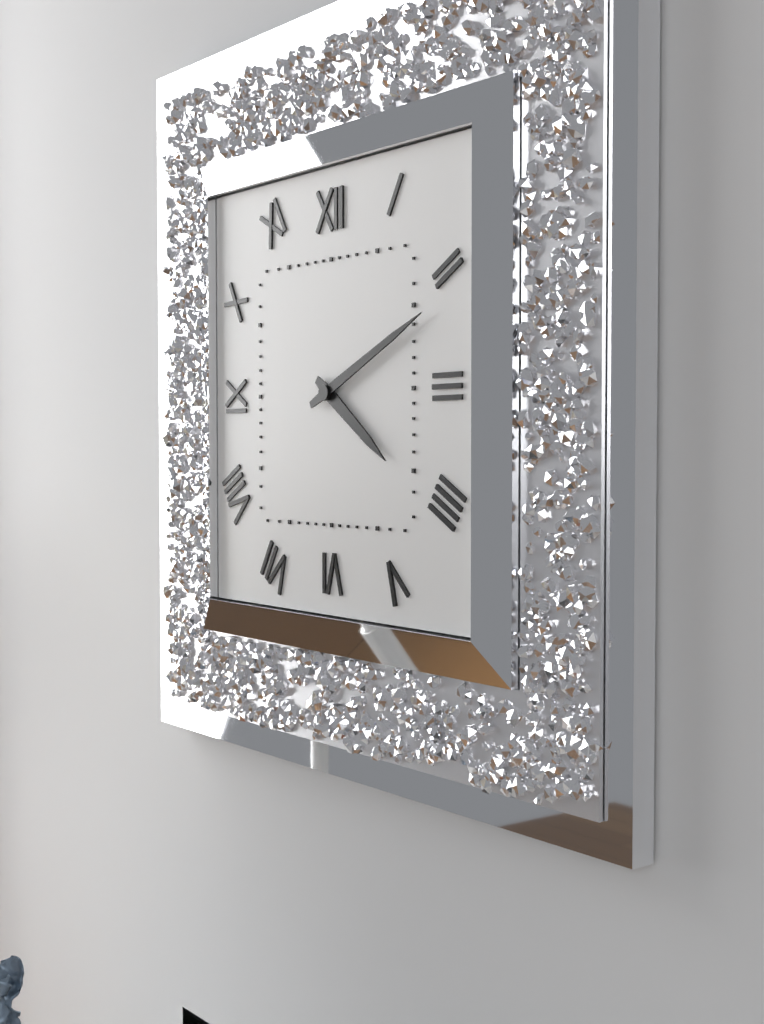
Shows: h=4 m=11
